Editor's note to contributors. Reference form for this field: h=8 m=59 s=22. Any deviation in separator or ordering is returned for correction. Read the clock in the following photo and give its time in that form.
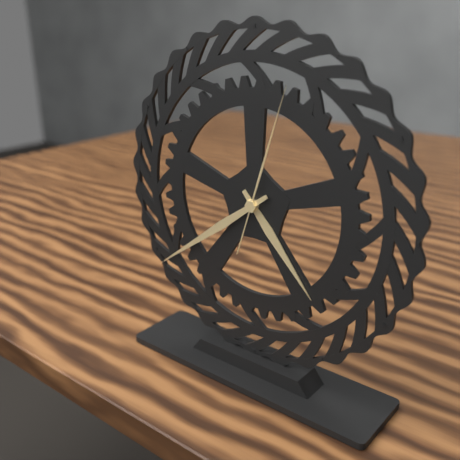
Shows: h=4 m=39 s=3
